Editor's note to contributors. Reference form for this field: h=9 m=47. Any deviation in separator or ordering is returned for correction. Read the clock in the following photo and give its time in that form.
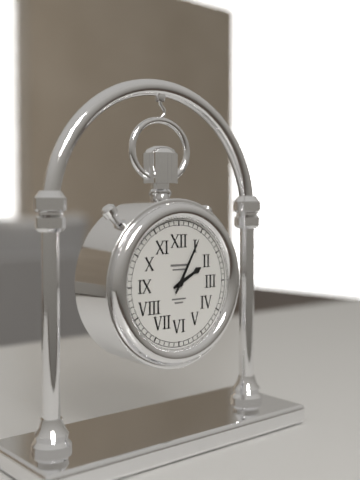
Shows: h=2 m=5
